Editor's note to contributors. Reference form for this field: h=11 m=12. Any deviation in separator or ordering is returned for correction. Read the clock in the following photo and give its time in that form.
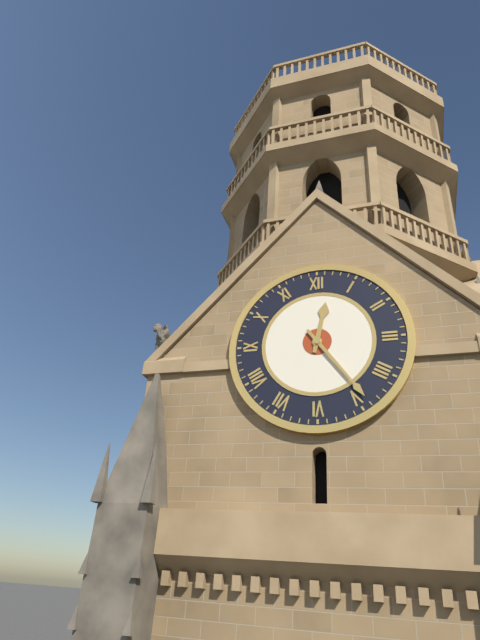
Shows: h=12 m=24
